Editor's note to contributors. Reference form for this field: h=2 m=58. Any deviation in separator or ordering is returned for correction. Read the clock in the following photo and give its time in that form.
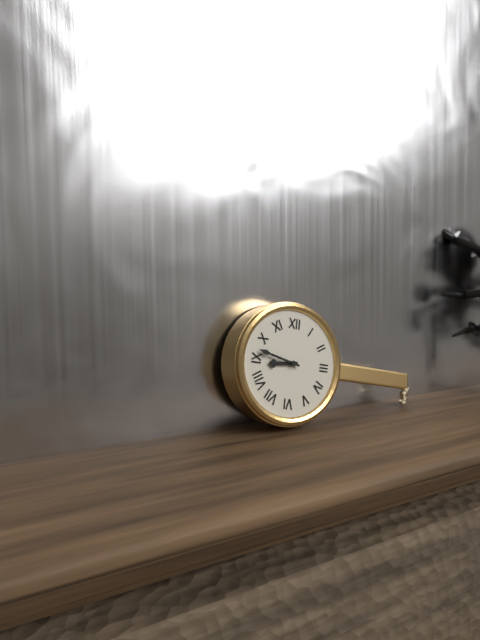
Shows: h=8 m=47
